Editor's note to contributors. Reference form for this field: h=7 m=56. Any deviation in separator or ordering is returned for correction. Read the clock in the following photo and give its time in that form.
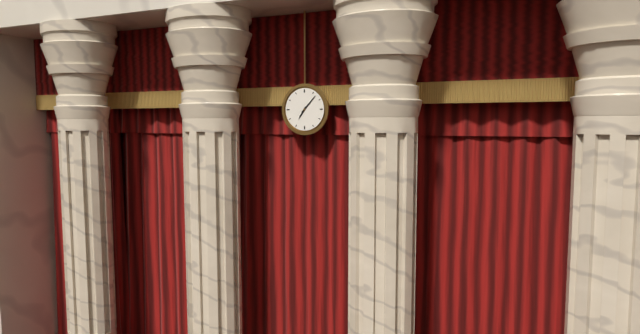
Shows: h=7 m=7
